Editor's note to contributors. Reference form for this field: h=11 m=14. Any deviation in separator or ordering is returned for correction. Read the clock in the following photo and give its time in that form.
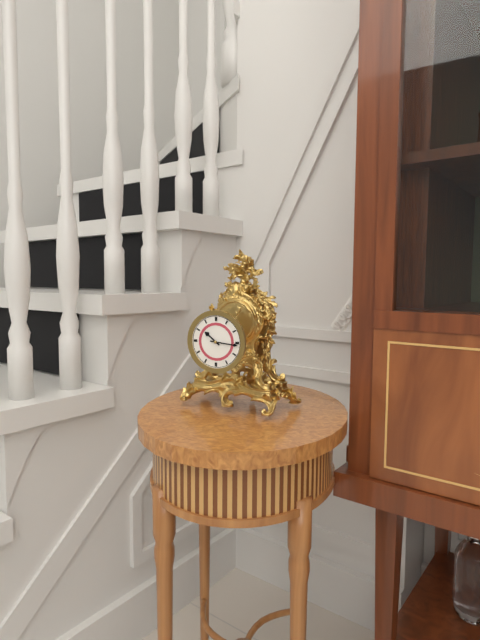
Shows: h=10 m=16
